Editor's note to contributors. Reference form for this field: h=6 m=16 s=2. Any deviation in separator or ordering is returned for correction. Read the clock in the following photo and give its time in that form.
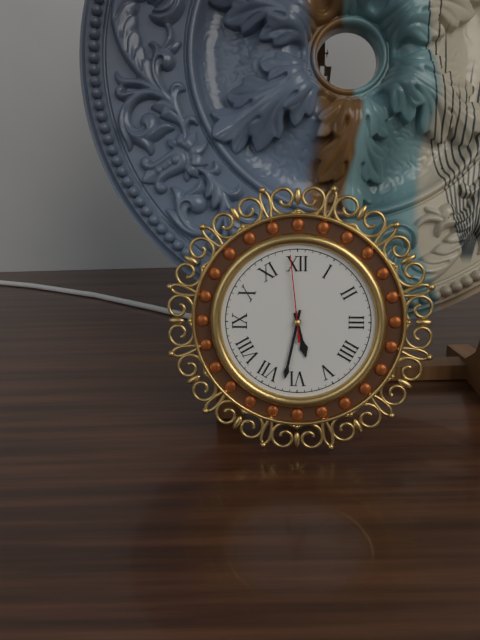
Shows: h=5 m=32 s=59
